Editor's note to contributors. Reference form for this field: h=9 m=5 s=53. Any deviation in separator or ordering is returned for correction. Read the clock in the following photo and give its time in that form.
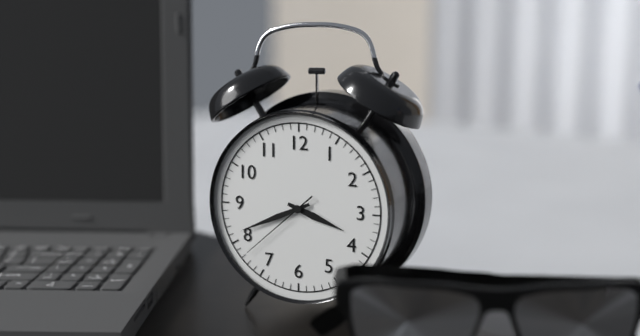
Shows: h=3 m=41 s=38
